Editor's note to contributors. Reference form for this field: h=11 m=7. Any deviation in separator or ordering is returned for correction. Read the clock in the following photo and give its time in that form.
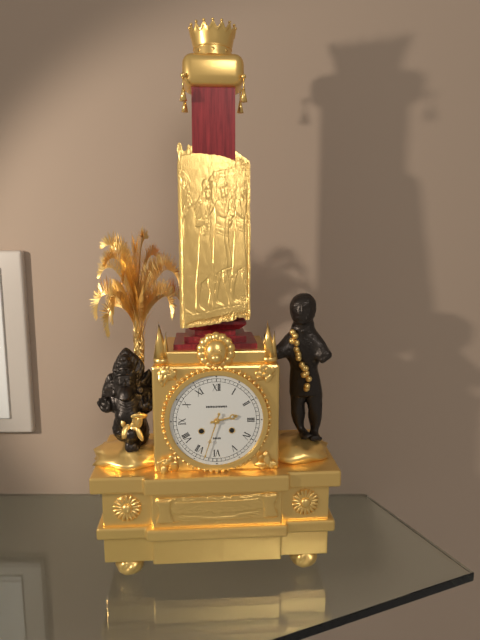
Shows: h=2 m=33
